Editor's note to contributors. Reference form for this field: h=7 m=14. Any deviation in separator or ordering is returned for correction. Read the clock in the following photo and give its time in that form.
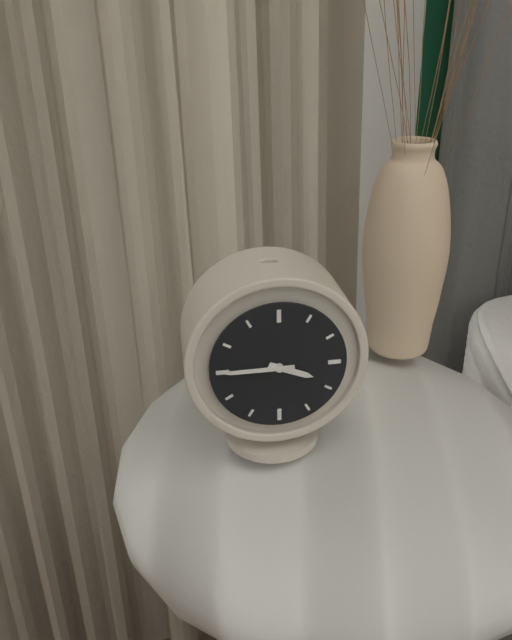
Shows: h=3 m=45
